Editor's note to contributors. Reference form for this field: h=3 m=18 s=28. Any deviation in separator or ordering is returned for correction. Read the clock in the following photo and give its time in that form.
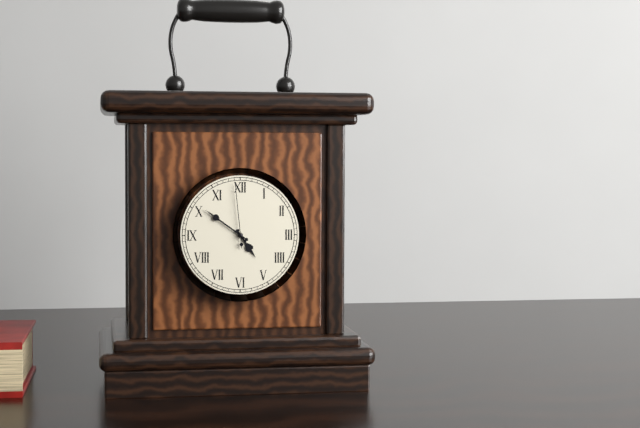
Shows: h=4 m=51 s=59
